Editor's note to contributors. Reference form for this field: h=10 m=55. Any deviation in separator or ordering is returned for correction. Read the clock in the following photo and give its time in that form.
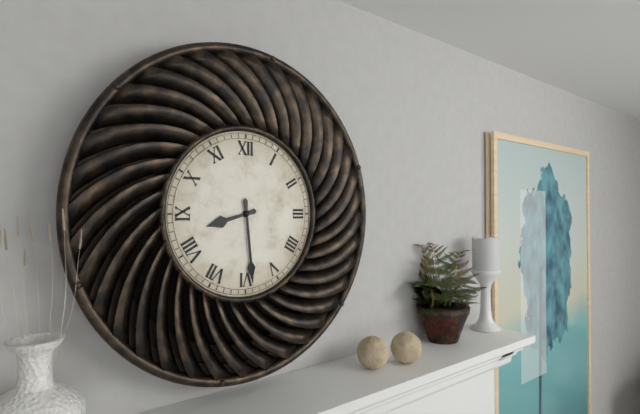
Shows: h=8 m=29
